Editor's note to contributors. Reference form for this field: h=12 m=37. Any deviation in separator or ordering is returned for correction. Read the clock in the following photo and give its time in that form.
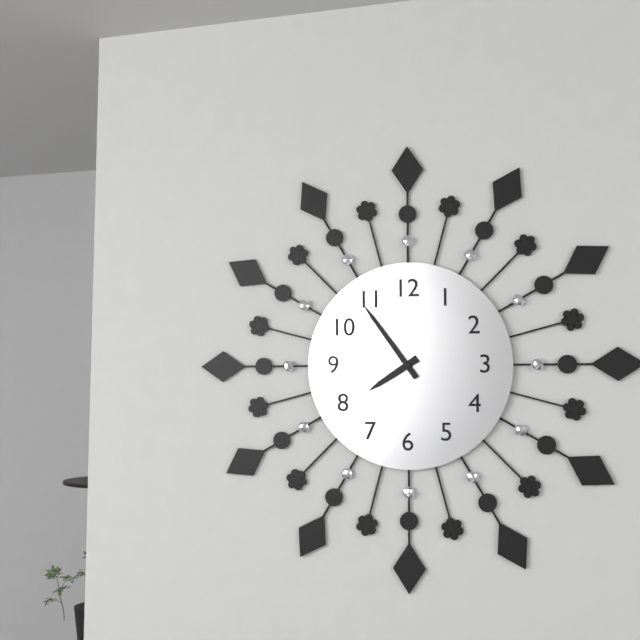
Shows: h=7 m=54
